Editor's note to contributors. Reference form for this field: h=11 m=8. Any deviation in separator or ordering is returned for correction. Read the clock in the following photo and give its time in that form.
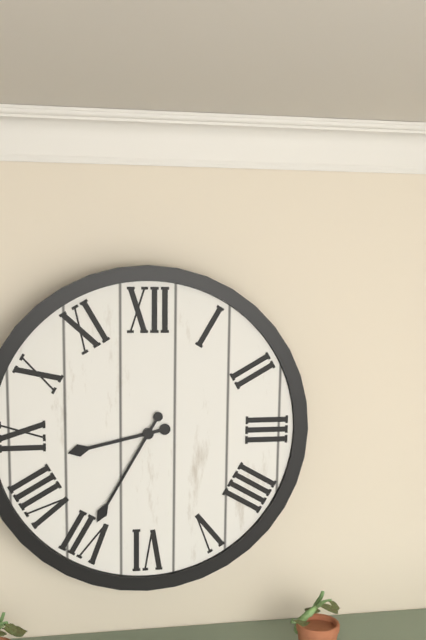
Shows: h=8 m=35
